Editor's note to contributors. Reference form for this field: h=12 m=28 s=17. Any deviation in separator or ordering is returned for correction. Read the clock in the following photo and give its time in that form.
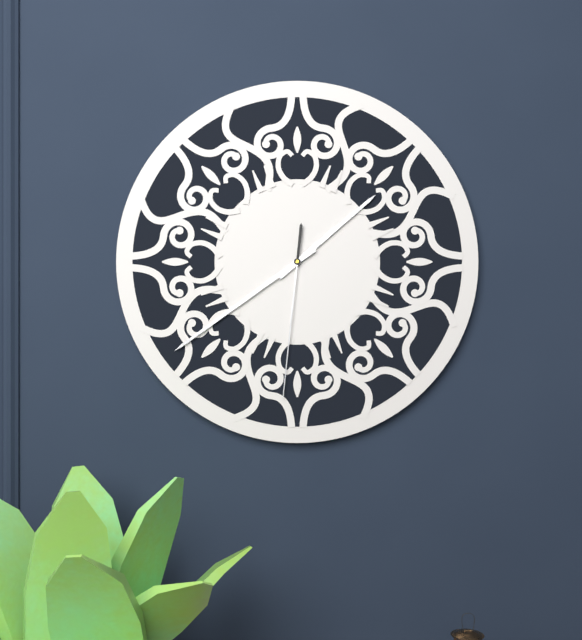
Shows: h=1 m=39 s=31
